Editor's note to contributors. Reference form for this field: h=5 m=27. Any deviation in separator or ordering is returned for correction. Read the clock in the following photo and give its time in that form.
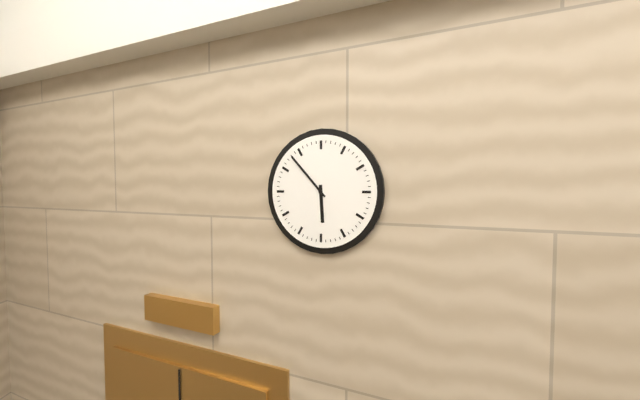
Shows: h=5 m=53
